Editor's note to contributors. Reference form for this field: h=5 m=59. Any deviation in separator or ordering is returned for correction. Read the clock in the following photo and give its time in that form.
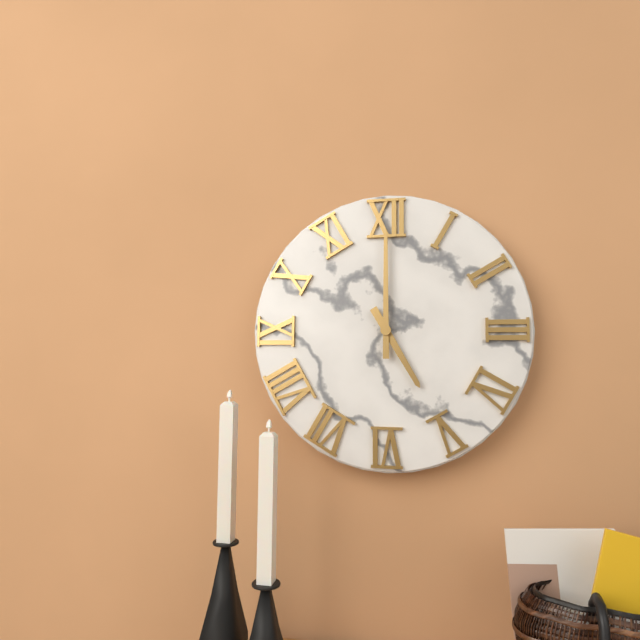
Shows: h=5 m=0
